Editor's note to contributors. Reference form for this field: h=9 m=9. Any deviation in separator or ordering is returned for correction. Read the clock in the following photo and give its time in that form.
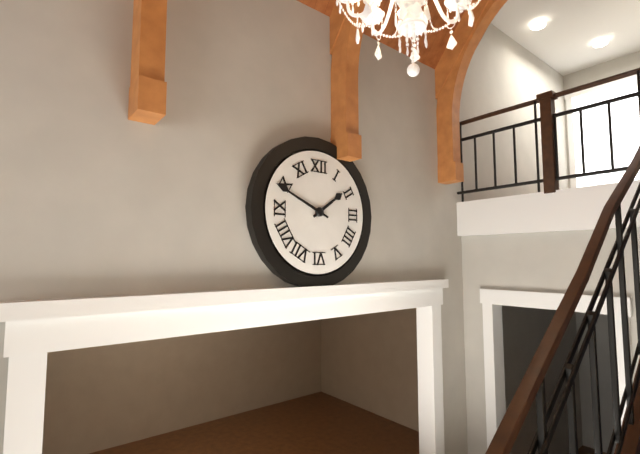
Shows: h=1 m=49
